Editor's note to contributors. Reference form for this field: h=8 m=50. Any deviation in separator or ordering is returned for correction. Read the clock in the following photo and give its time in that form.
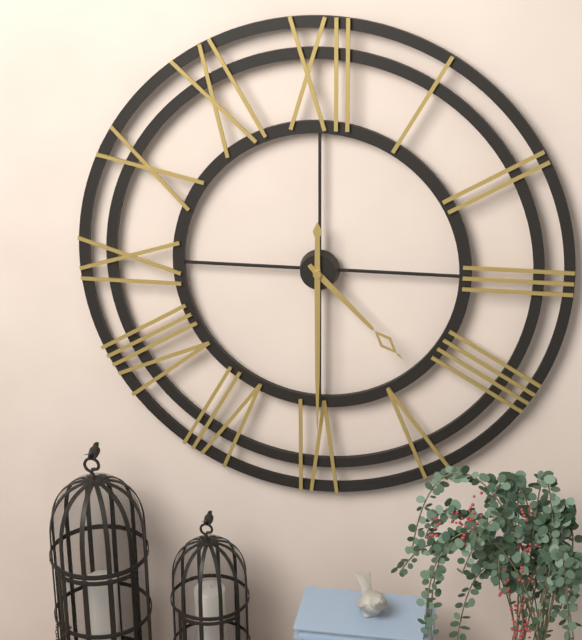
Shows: h=4 m=30
